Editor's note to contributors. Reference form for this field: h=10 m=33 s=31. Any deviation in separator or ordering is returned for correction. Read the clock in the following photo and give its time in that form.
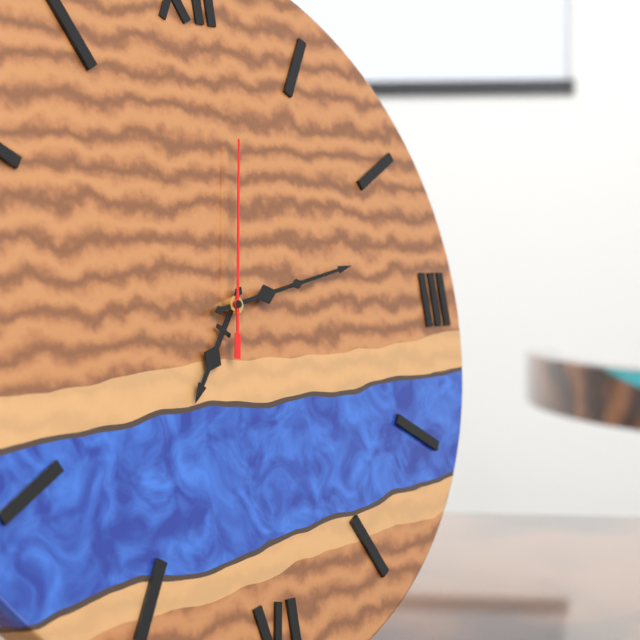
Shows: h=7 m=13 s=2
